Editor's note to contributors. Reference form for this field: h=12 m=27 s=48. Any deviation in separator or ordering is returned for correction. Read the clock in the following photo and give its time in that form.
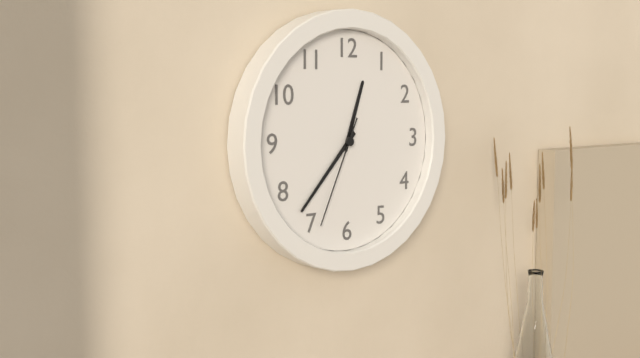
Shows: h=12 m=37 s=34
